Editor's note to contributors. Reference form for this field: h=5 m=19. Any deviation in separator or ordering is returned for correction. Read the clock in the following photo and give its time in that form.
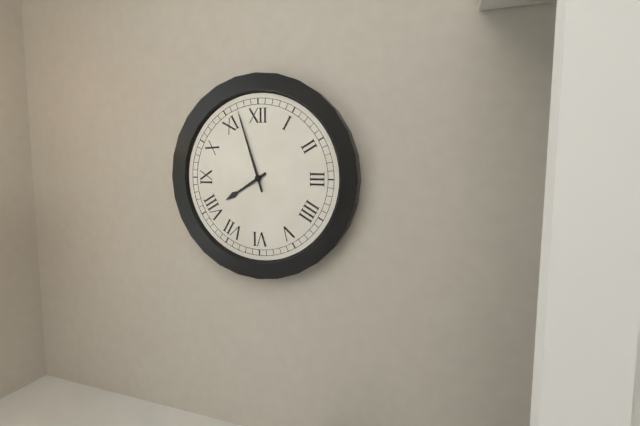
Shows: h=7 m=57
